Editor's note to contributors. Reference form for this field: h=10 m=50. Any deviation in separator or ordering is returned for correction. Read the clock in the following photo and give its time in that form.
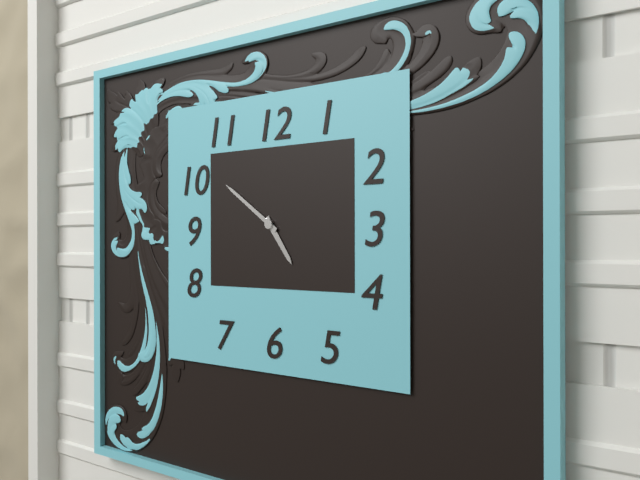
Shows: h=4 m=51
